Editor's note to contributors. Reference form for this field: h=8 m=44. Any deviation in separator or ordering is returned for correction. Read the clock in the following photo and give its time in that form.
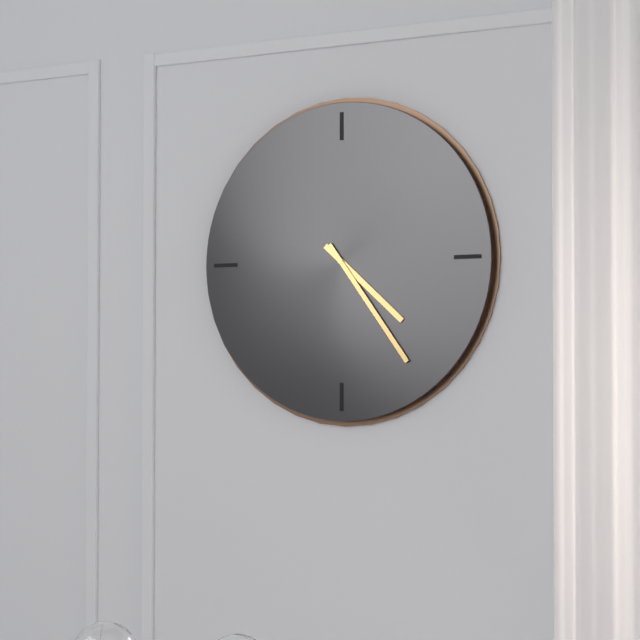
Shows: h=4 m=24
